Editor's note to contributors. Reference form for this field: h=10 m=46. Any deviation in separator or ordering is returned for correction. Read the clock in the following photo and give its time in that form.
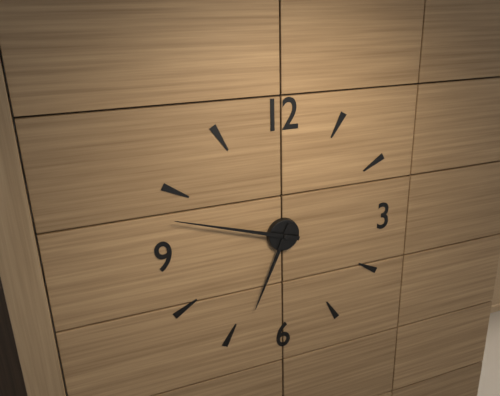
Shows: h=6 m=48
